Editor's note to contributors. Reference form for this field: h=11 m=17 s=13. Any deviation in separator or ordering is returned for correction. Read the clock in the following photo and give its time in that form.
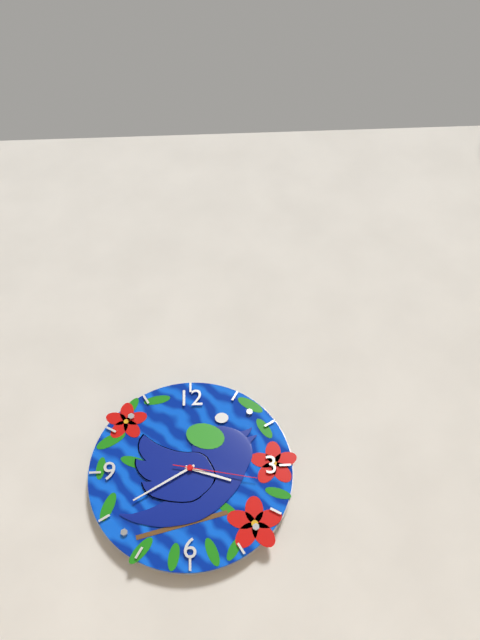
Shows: h=3 m=40 s=17
